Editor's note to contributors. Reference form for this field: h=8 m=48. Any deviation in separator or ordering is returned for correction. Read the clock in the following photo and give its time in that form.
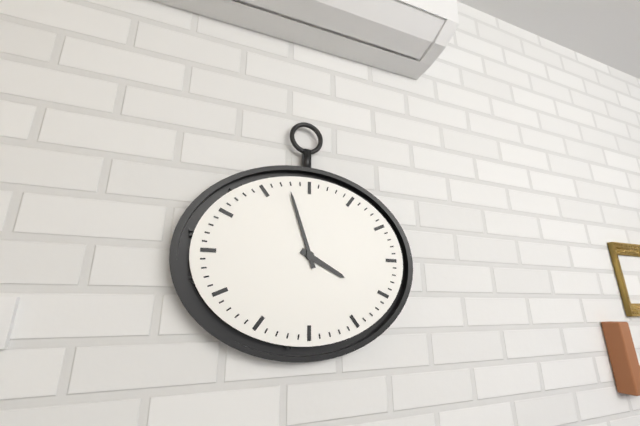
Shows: h=3 m=57
